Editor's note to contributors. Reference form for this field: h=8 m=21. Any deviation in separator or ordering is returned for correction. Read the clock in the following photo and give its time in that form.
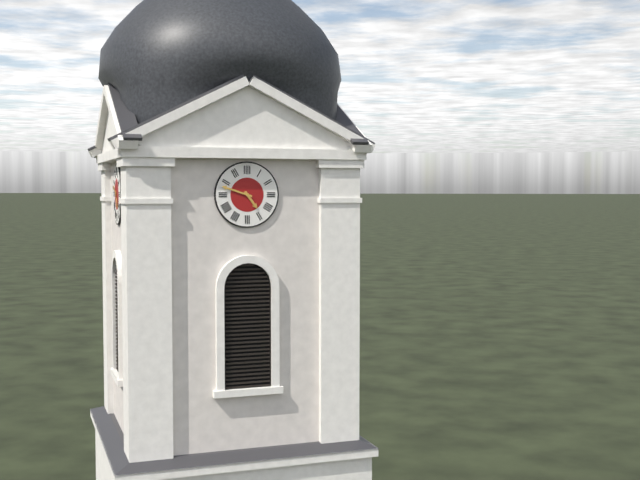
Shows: h=4 m=48
